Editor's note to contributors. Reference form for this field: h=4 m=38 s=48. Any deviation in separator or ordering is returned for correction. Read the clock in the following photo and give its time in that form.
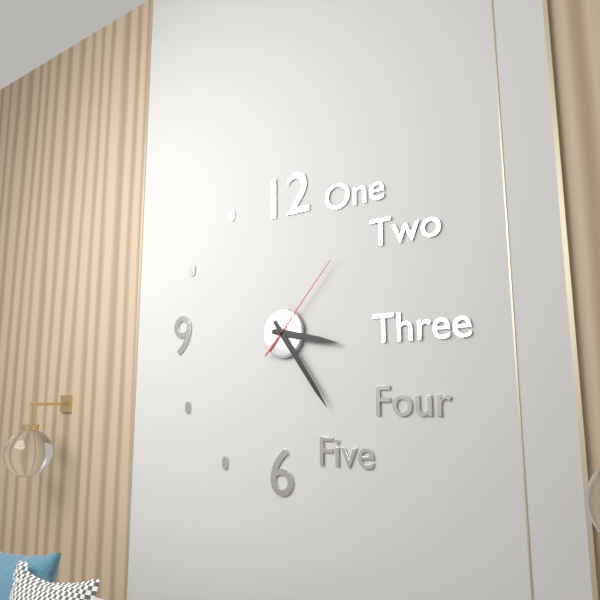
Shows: h=3 m=24 s=7
